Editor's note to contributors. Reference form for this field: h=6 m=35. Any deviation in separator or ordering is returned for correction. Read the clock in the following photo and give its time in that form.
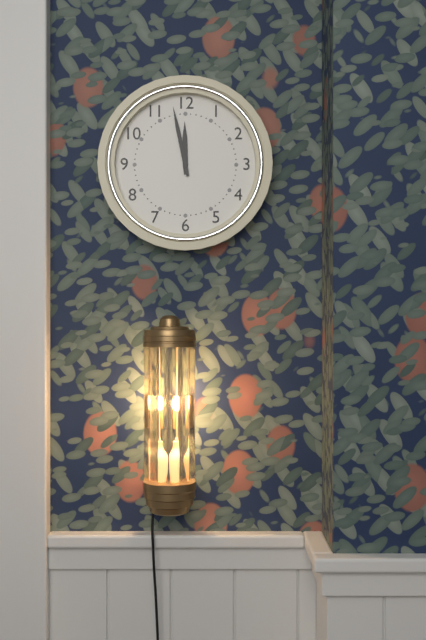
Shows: h=11 m=58
